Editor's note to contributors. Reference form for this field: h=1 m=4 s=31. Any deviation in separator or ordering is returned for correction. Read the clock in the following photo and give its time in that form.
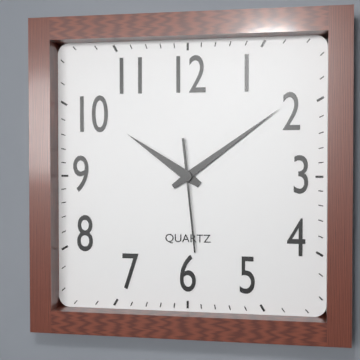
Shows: h=10 m=9 s=29
